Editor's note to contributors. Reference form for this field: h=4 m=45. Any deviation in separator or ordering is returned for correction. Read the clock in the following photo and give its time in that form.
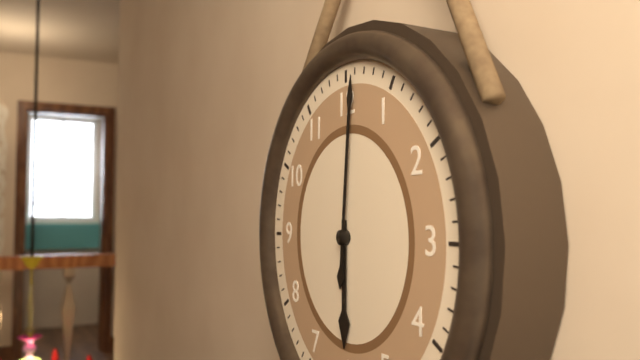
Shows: h=6 m=1
